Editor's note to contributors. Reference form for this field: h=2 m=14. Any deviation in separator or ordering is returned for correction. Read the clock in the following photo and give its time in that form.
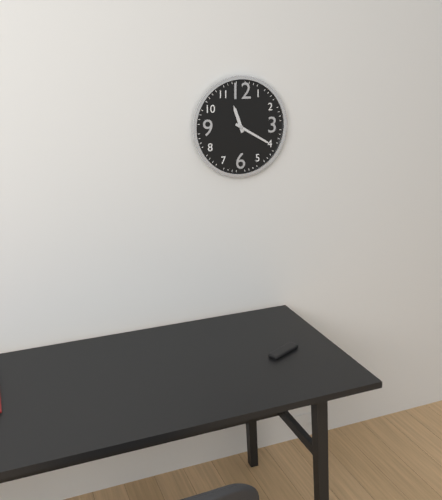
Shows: h=11 m=20
